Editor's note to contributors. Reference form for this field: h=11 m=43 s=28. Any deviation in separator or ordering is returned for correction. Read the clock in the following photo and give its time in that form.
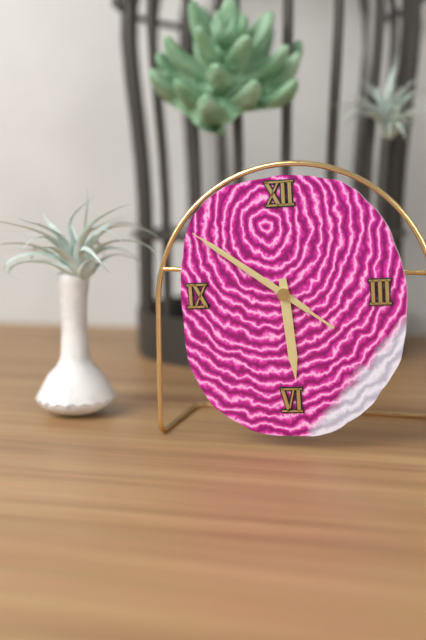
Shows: h=5 m=51 s=51
